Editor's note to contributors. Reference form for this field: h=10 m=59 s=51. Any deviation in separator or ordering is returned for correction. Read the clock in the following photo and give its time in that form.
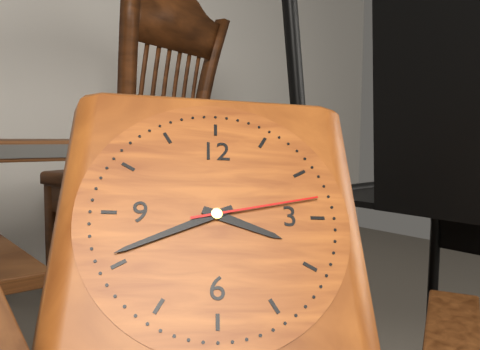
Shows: h=3 m=41 s=13
